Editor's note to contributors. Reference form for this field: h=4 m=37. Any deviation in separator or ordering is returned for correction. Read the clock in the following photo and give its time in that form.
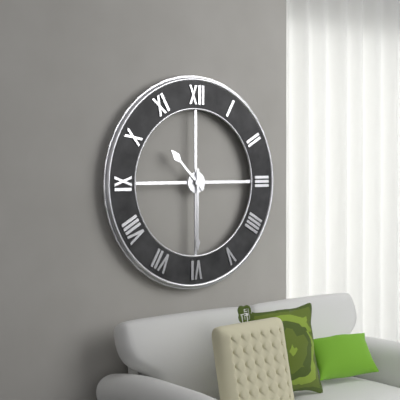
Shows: h=10 m=30
